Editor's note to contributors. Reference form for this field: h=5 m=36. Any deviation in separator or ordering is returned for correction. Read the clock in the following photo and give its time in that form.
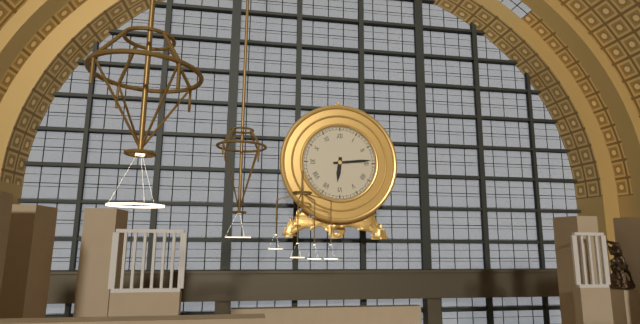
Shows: h=6 m=14
